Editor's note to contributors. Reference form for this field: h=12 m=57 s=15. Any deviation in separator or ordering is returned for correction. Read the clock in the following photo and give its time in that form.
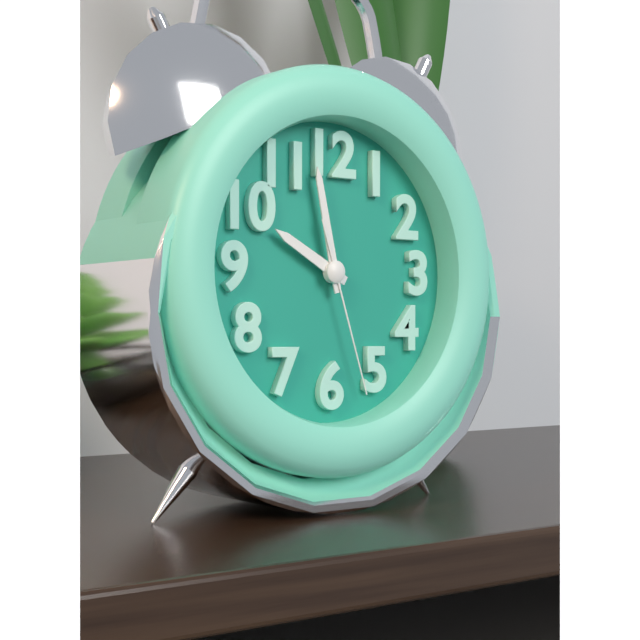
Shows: h=9 m=58 s=27
